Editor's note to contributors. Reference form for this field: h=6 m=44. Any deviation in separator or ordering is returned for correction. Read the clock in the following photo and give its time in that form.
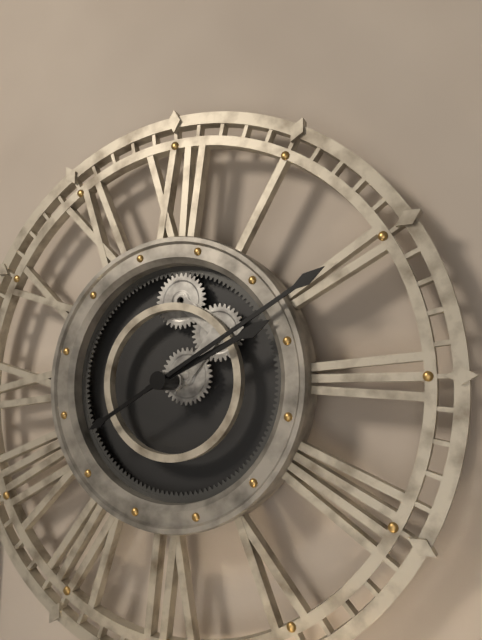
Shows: h=2 m=10
